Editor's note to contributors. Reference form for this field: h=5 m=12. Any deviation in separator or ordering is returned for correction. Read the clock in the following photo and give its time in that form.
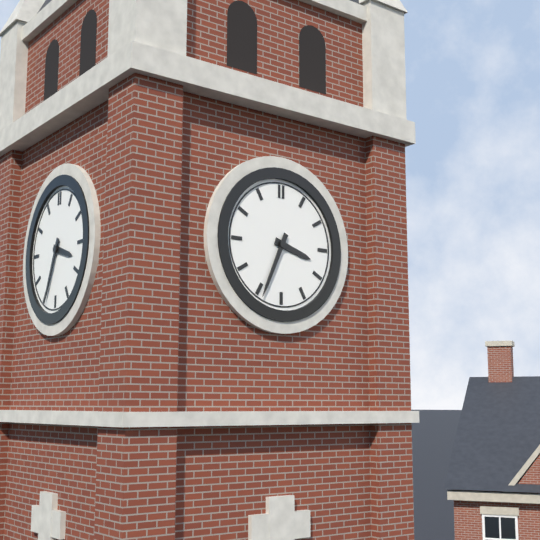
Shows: h=3 m=34
